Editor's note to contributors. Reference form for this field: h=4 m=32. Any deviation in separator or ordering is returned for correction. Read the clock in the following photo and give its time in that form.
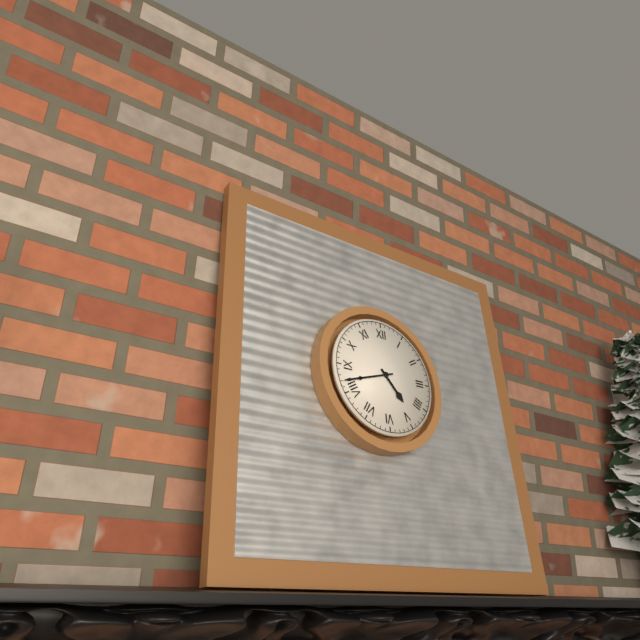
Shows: h=4 m=42
